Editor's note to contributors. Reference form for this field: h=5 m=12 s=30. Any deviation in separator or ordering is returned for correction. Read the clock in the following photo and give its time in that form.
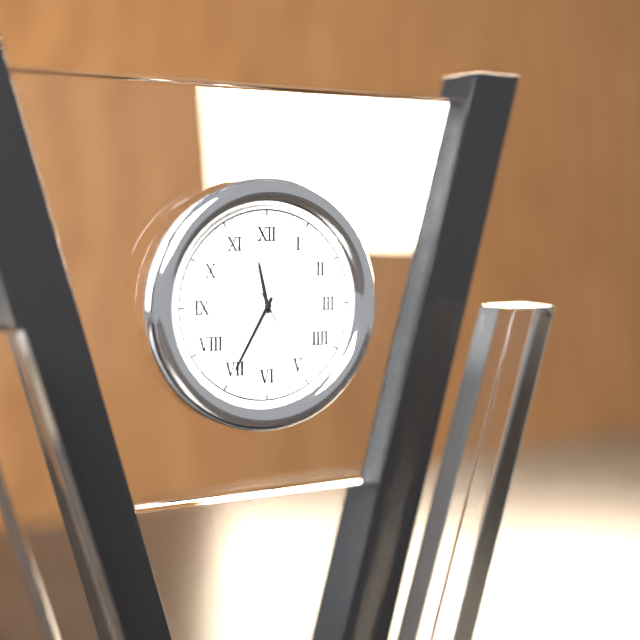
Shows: h=11 m=35 s=55
